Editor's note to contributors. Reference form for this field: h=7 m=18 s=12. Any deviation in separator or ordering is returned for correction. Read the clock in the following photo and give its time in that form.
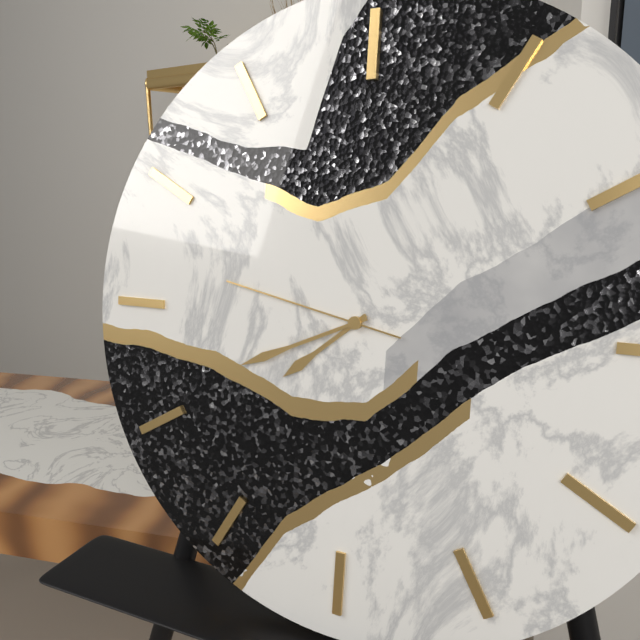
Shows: h=7 m=41 s=47
